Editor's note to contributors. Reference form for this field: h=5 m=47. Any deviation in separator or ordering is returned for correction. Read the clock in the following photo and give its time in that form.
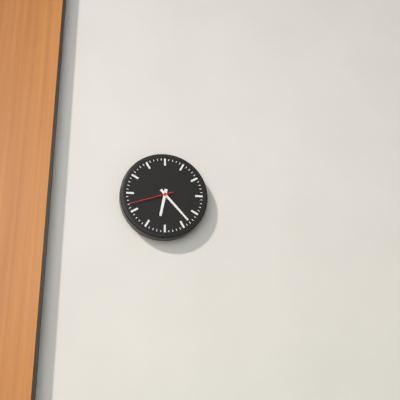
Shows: h=6 m=23
